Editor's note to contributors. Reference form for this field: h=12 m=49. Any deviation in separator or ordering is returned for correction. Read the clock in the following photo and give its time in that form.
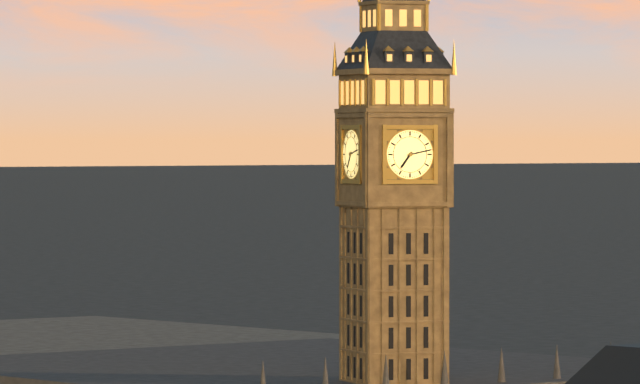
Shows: h=7 m=13
